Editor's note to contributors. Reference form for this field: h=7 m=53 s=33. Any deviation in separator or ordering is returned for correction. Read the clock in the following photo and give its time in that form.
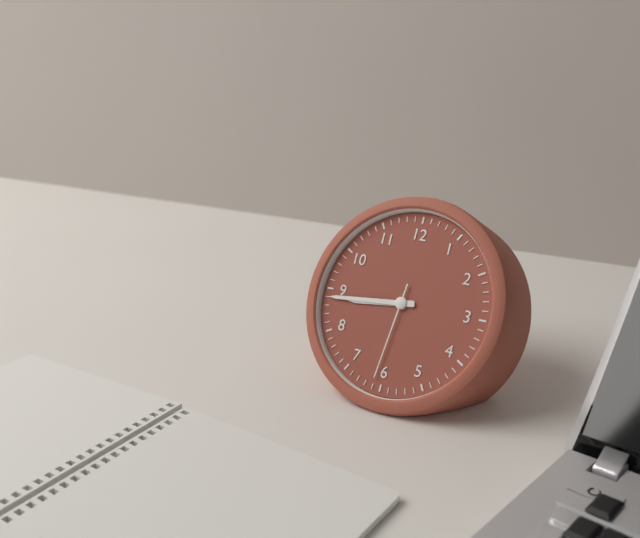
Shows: h=8 m=44 s=31
